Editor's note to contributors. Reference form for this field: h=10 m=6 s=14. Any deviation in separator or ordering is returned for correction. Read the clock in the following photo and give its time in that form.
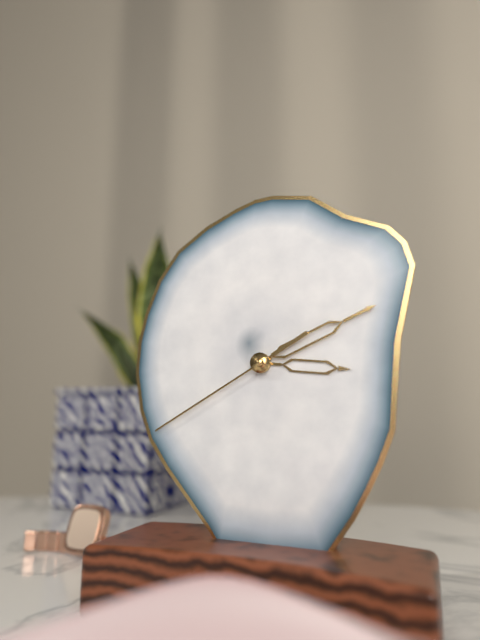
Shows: h=3 m=11 s=40
